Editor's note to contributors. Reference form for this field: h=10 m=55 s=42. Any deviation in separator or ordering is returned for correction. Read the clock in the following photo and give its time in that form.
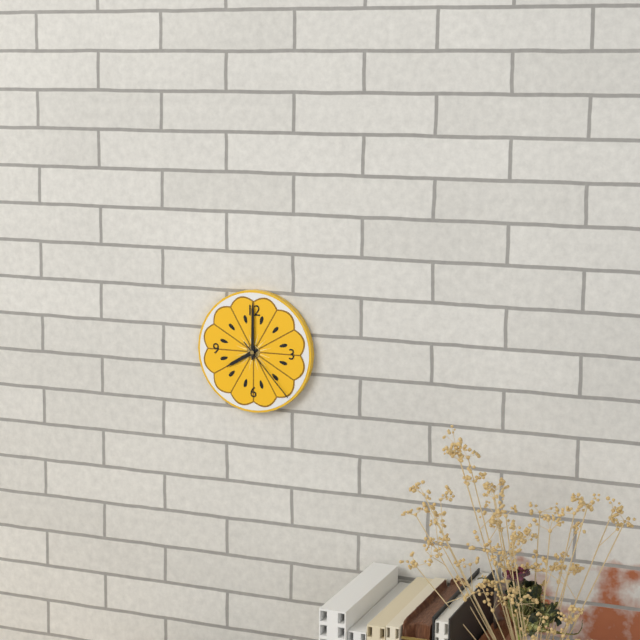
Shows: h=8 m=0 s=23
